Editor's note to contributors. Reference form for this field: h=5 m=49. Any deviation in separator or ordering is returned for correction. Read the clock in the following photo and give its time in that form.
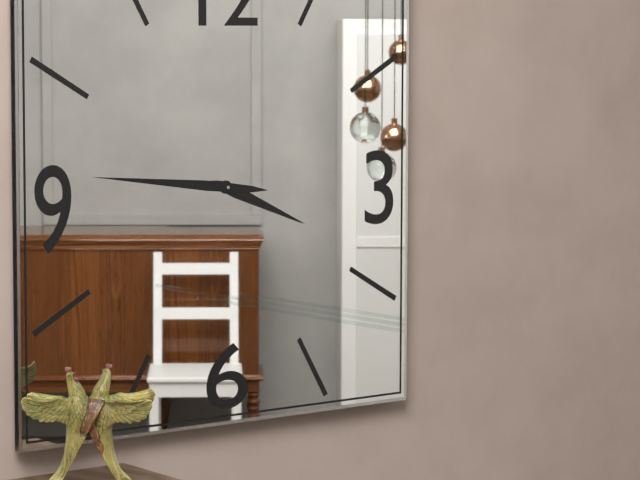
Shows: h=3 m=46
